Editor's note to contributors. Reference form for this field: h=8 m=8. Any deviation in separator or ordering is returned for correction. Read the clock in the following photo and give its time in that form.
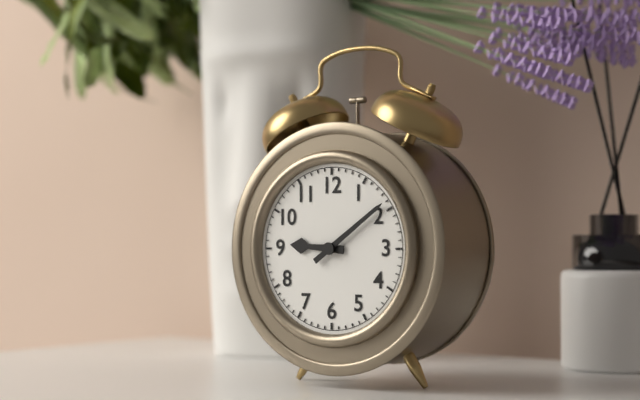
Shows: h=9 m=9
